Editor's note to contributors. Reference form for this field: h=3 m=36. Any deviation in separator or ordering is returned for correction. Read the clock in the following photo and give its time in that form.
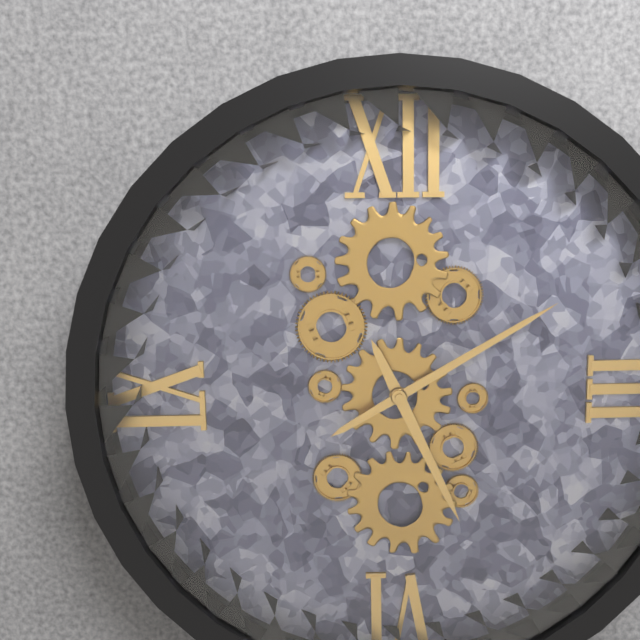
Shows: h=5 m=10
